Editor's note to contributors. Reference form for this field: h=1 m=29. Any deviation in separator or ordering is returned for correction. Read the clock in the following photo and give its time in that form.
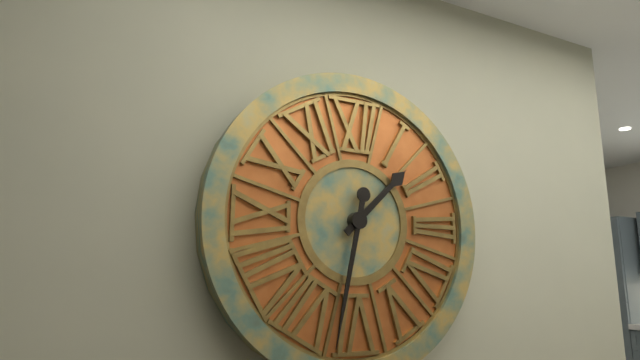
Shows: h=1 m=32
